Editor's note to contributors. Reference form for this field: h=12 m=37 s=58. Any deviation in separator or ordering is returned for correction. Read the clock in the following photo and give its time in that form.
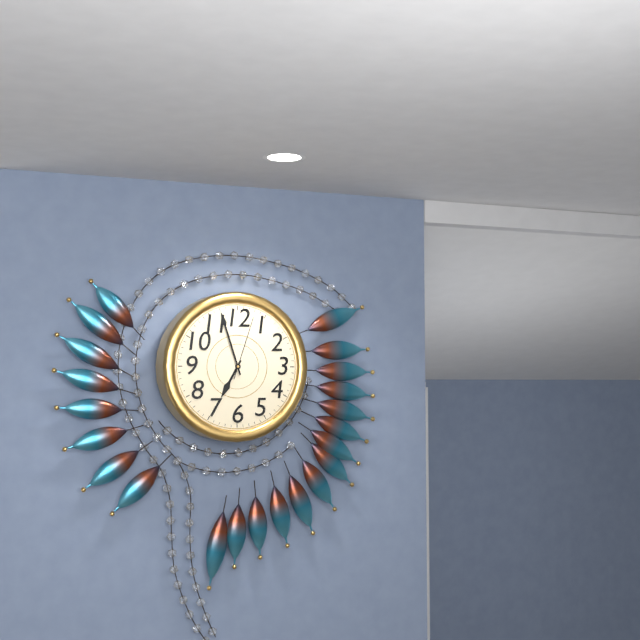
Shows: h=6 m=57 s=3
